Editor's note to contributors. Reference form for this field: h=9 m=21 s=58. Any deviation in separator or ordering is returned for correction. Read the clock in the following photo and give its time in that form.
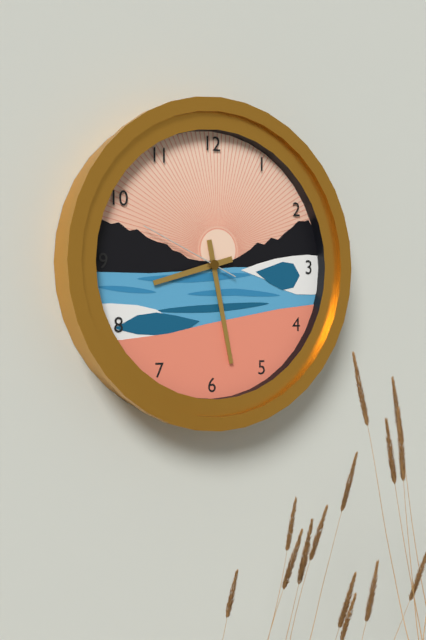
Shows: h=8 m=28 s=49
